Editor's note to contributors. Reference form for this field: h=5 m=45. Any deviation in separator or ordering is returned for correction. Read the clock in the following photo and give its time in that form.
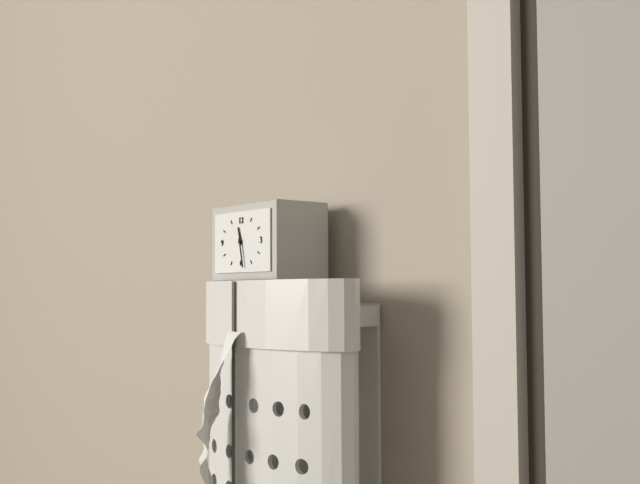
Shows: h=11 m=28
